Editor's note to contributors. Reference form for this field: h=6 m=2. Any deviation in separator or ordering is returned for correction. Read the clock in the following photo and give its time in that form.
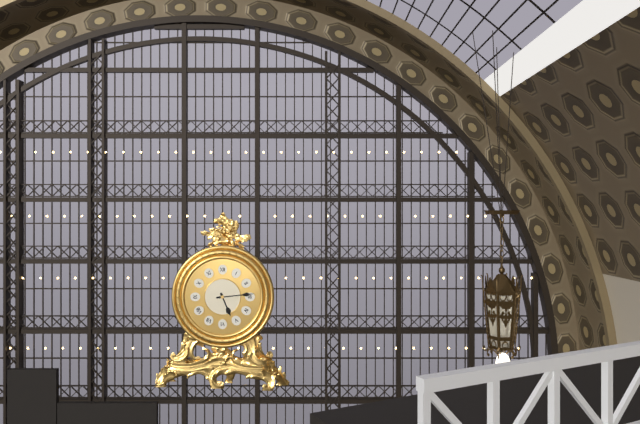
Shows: h=5 m=14
